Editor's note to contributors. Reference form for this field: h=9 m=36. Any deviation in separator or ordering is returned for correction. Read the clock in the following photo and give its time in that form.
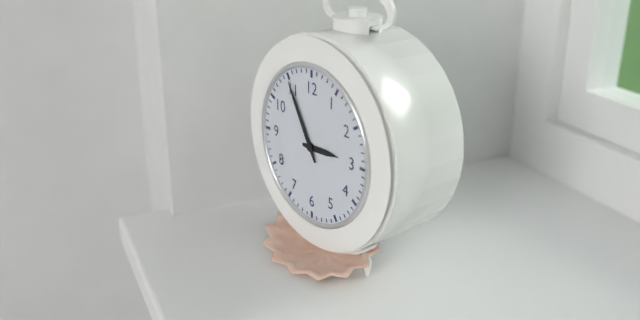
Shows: h=2 m=55
